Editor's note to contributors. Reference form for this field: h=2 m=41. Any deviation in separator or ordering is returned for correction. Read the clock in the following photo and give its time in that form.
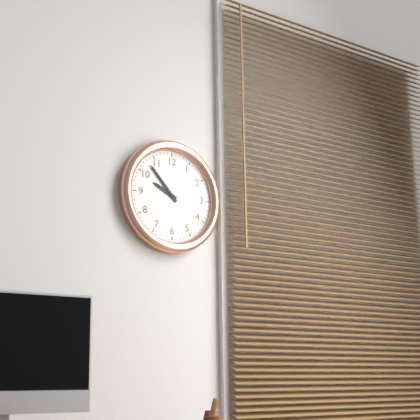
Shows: h=9 m=53
